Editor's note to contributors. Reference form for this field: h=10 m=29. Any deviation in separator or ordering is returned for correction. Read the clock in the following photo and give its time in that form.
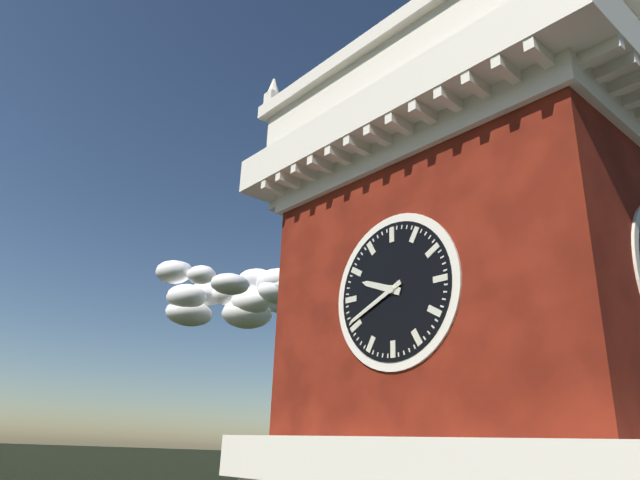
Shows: h=9 m=41
